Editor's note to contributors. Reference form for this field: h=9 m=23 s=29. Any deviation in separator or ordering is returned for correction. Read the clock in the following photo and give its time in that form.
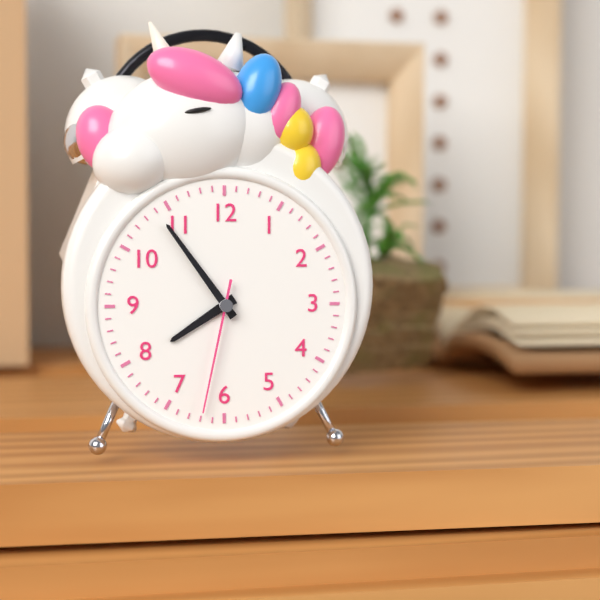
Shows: h=7 m=54 s=32
